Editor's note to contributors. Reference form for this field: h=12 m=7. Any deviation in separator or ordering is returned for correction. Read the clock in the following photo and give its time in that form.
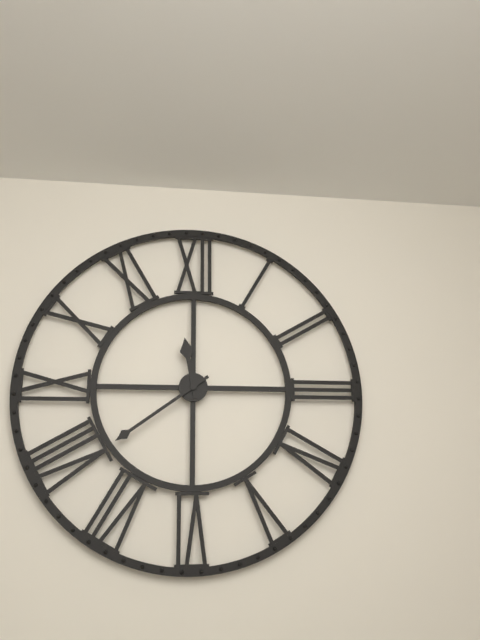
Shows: h=11 m=39
